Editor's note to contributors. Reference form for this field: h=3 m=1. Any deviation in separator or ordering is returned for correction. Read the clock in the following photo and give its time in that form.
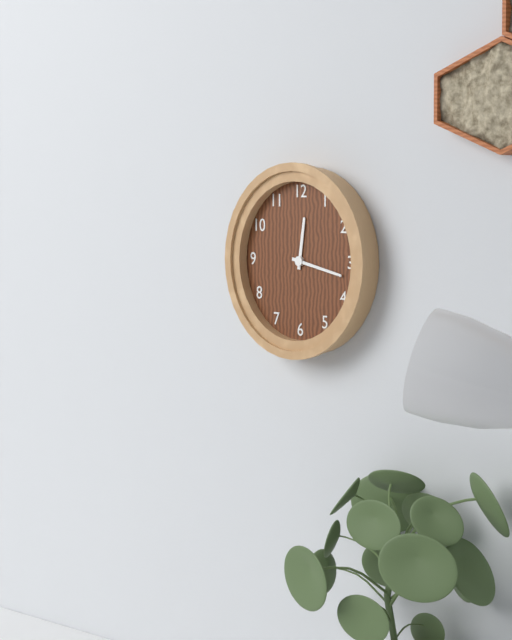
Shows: h=12 m=17
